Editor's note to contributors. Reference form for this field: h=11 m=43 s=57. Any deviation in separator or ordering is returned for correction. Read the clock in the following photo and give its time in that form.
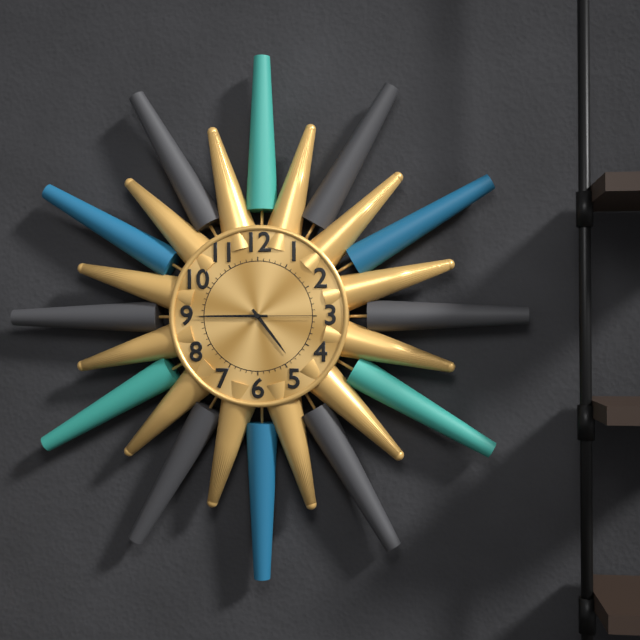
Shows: h=4 m=45 s=15
